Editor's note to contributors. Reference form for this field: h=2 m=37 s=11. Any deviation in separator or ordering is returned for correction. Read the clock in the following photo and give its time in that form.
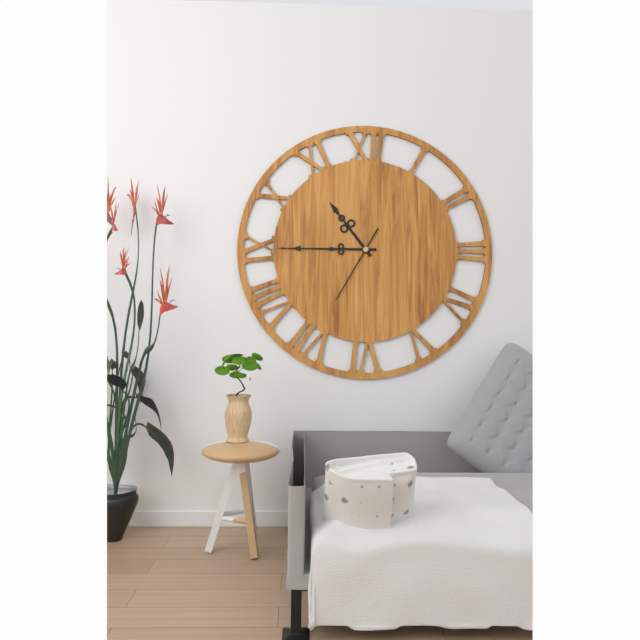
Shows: h=10 m=45 s=35
